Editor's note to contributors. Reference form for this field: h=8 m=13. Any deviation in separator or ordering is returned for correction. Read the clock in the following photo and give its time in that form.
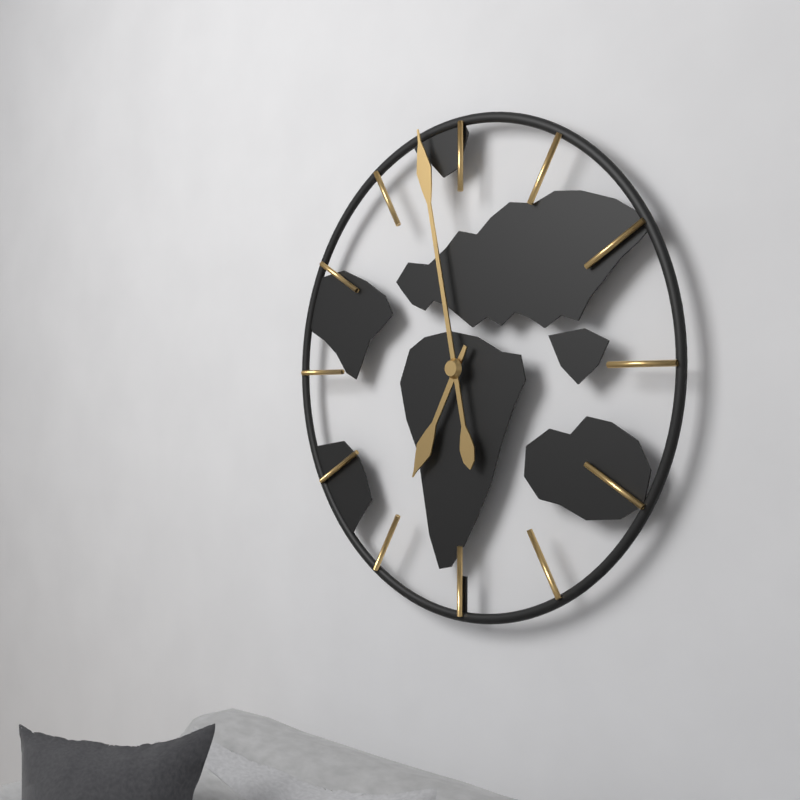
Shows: h=6 m=58
